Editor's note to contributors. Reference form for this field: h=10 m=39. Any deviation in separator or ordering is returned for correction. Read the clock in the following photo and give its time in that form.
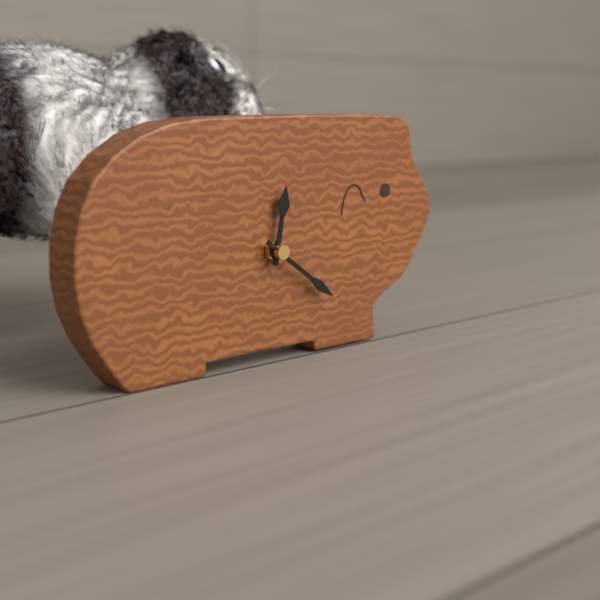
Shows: h=12 m=21
